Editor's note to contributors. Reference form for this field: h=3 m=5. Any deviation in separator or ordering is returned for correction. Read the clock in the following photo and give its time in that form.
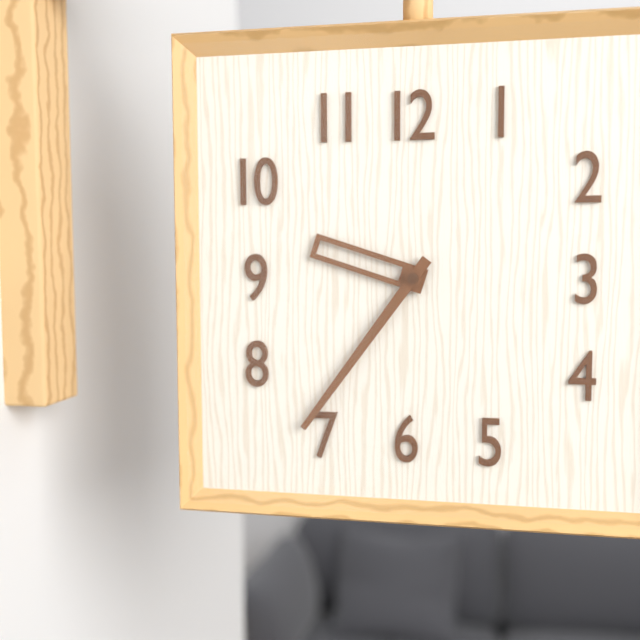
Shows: h=9 m=36
